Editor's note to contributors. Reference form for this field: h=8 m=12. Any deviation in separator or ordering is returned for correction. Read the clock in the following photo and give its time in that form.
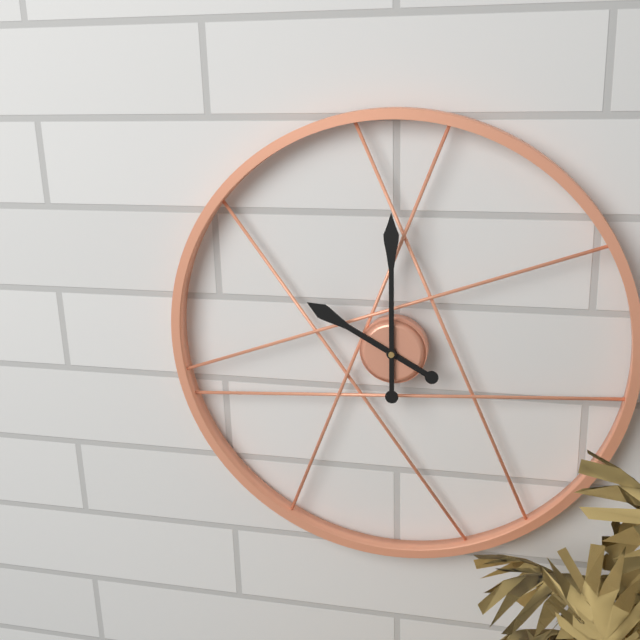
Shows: h=10 m=0
